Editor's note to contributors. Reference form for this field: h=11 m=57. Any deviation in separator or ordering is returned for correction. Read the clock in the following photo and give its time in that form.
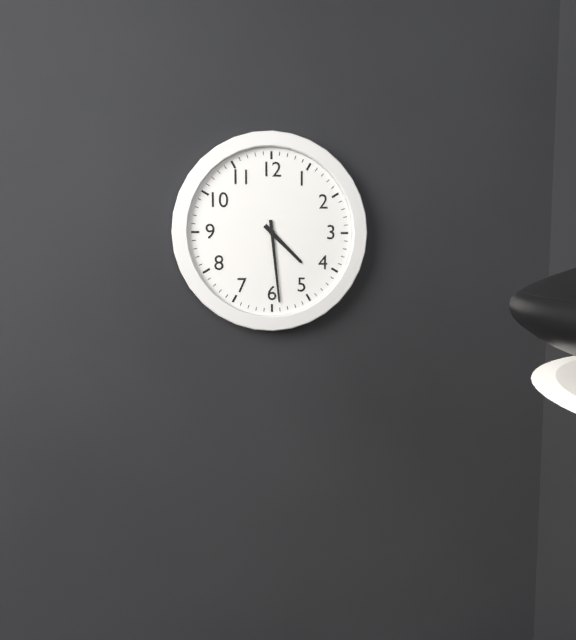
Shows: h=4 m=29
